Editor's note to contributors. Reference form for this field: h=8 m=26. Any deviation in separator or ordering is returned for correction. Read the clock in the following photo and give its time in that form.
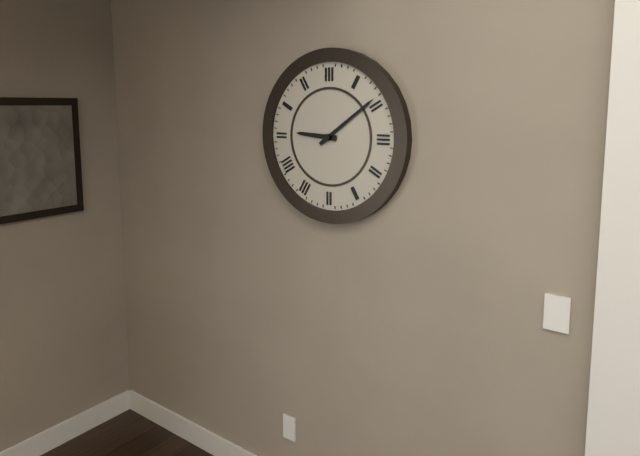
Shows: h=9 m=9
